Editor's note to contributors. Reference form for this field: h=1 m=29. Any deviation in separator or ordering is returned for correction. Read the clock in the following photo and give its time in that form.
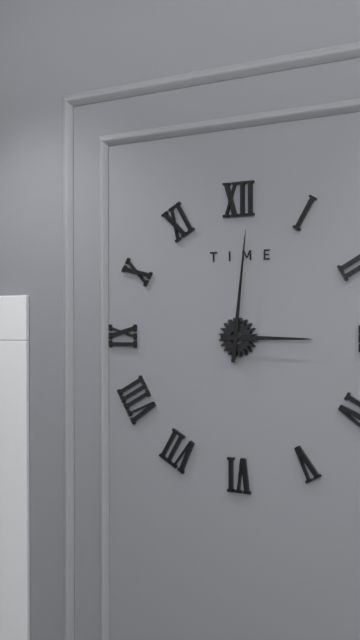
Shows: h=3 m=1
